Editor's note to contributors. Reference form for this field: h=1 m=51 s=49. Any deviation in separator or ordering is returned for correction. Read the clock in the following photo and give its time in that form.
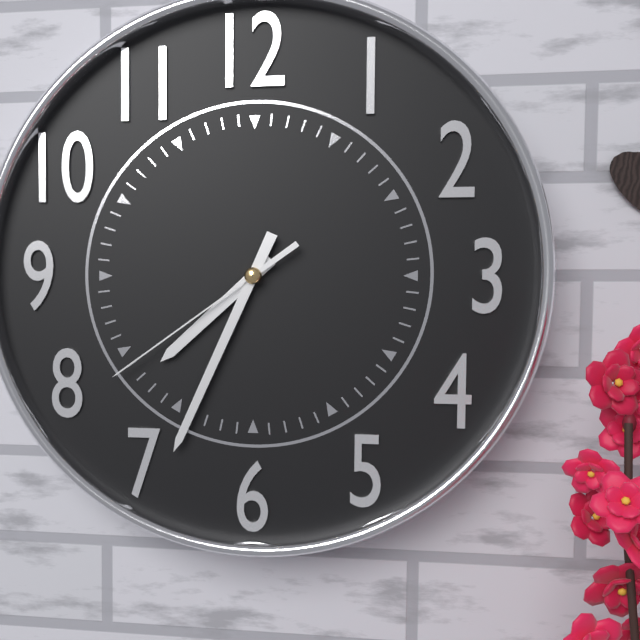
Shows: h=7 m=34 s=39
